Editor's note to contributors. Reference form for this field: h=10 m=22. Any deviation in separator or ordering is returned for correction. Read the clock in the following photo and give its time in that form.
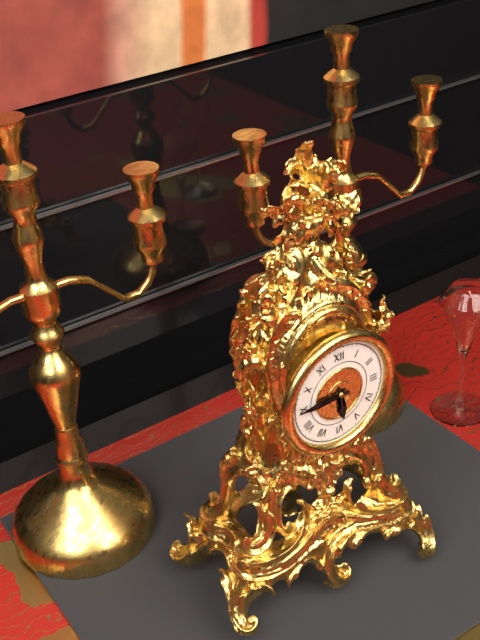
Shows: h=5 m=45
